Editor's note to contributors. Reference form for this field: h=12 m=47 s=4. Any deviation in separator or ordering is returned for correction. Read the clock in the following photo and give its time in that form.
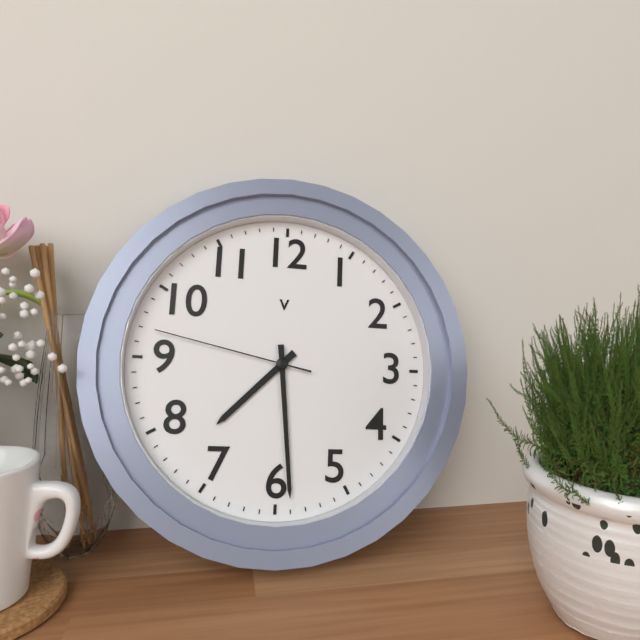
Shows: h=7 m=29 s=47
